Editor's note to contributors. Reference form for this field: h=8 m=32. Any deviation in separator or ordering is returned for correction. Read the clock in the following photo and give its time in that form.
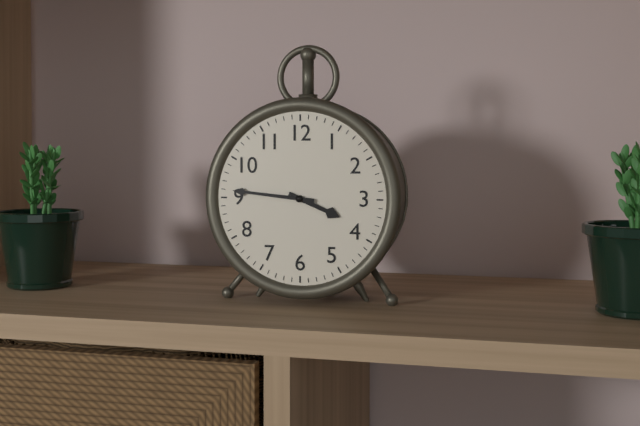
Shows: h=3 m=46
